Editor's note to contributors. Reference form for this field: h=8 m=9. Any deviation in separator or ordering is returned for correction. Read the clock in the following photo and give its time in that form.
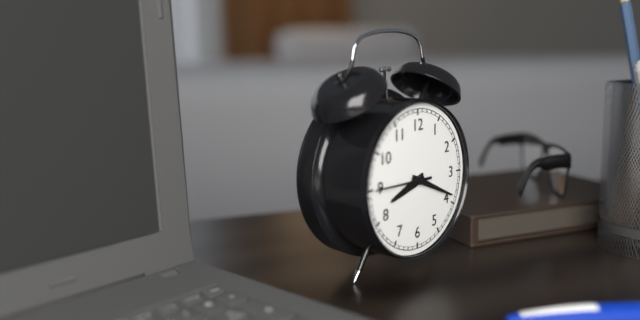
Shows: h=8 m=19
